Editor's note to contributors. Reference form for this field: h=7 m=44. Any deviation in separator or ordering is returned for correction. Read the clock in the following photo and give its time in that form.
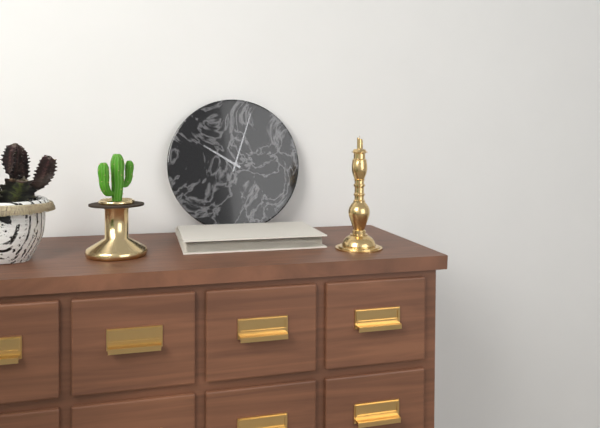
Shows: h=10 m=3
